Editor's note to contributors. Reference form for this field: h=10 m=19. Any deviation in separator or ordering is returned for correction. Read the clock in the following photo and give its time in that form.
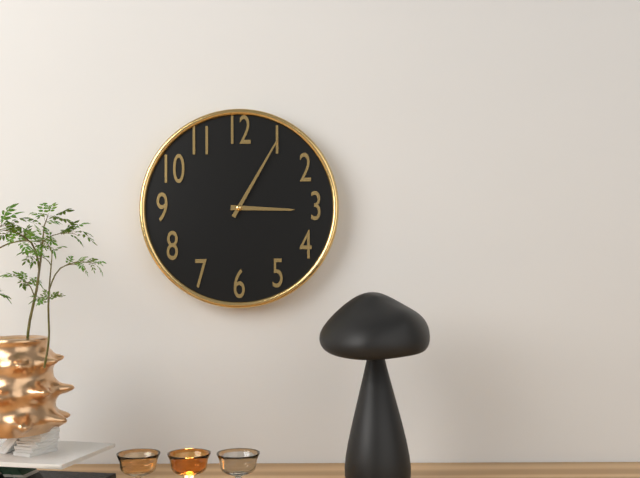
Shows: h=3 m=5
